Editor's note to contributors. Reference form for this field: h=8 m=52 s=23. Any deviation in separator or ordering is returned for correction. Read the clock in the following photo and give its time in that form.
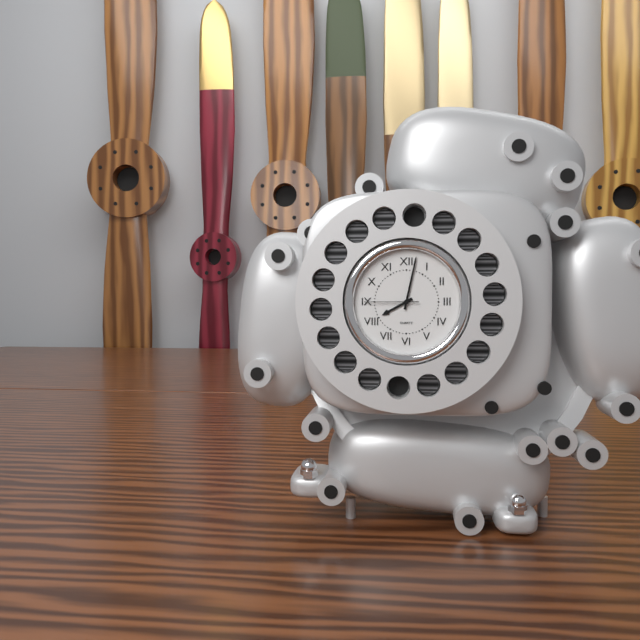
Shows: h=8 m=2 s=45
